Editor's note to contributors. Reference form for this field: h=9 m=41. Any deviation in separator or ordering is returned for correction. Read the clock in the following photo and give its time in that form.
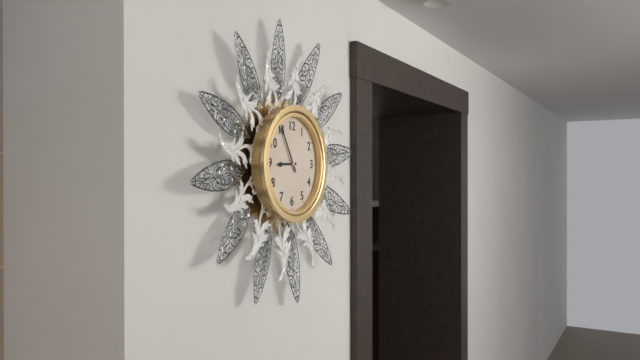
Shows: h=8 m=55
